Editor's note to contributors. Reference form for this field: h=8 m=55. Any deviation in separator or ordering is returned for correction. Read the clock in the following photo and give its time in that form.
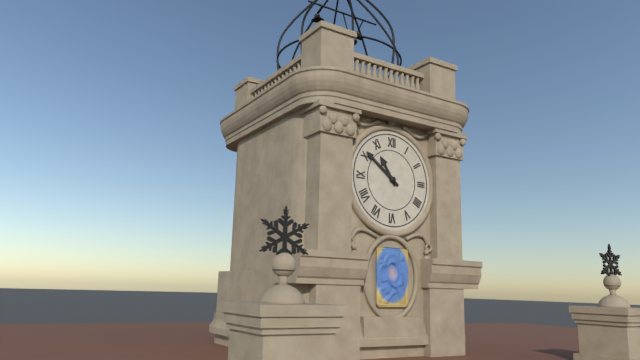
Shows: h=10 m=51
